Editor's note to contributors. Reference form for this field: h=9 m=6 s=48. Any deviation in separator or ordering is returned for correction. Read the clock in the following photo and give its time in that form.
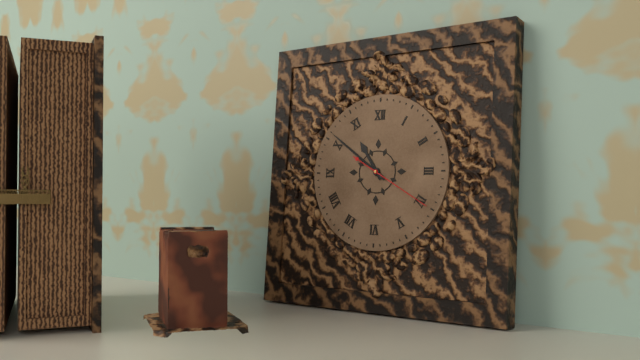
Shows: h=10 m=51 s=20
